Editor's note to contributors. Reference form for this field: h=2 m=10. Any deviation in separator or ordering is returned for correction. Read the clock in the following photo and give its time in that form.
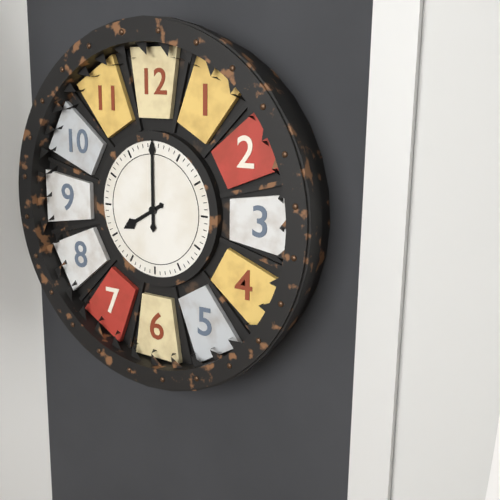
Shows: h=8 m=0
